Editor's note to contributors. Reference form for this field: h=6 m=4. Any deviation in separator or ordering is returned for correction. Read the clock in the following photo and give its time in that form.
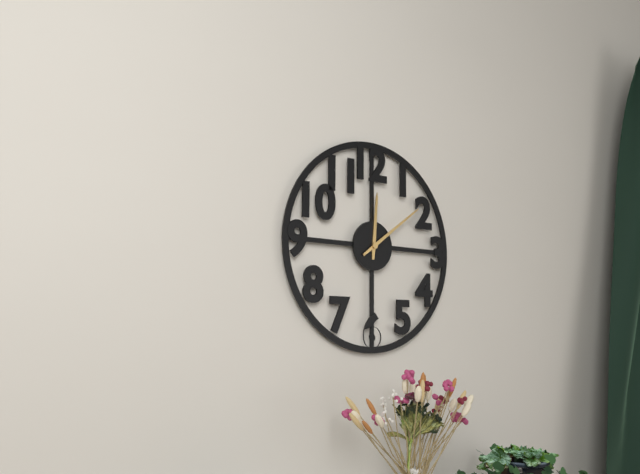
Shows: h=12 m=9
